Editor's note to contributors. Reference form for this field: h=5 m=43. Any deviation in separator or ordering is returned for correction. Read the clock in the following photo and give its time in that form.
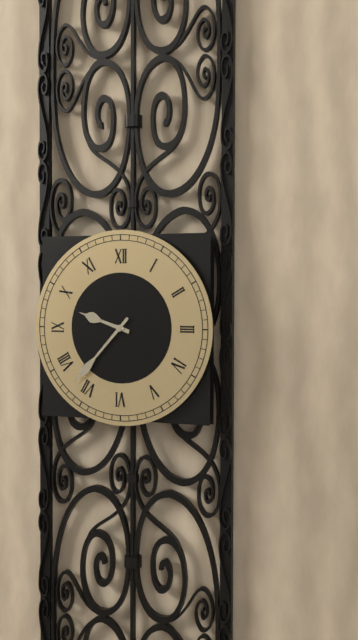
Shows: h=9 m=37
